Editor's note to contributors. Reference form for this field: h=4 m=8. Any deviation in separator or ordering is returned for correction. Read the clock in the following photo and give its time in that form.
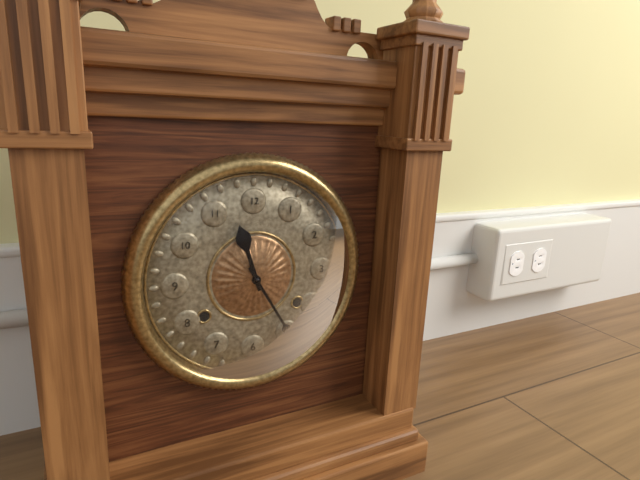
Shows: h=11 m=25
